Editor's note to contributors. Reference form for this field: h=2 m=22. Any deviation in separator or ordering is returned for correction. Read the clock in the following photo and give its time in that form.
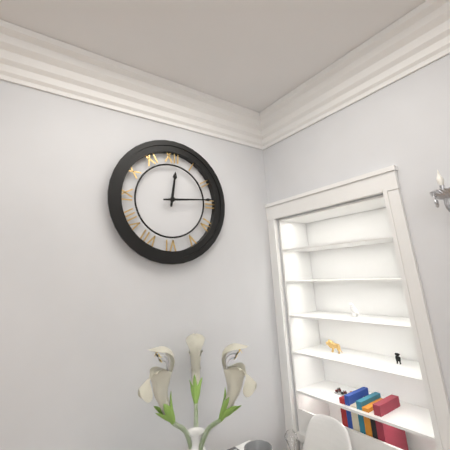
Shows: h=12 m=14
